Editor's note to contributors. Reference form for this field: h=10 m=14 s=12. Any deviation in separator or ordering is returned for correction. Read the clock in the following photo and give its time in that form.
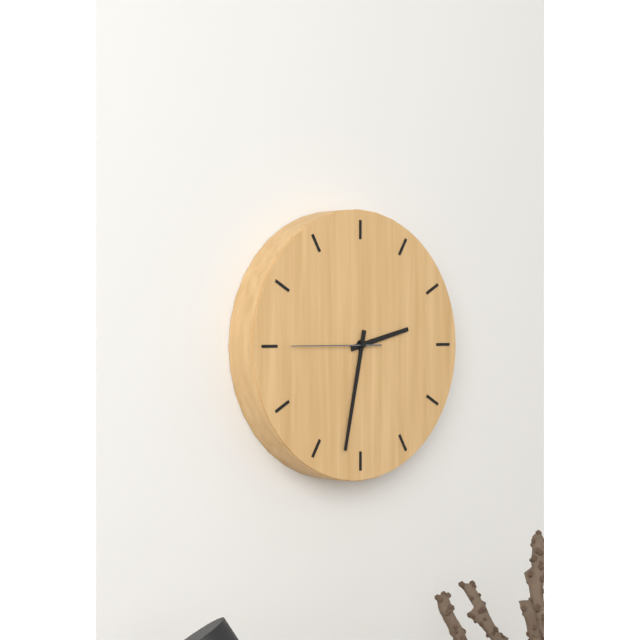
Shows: h=2 m=32 s=45
